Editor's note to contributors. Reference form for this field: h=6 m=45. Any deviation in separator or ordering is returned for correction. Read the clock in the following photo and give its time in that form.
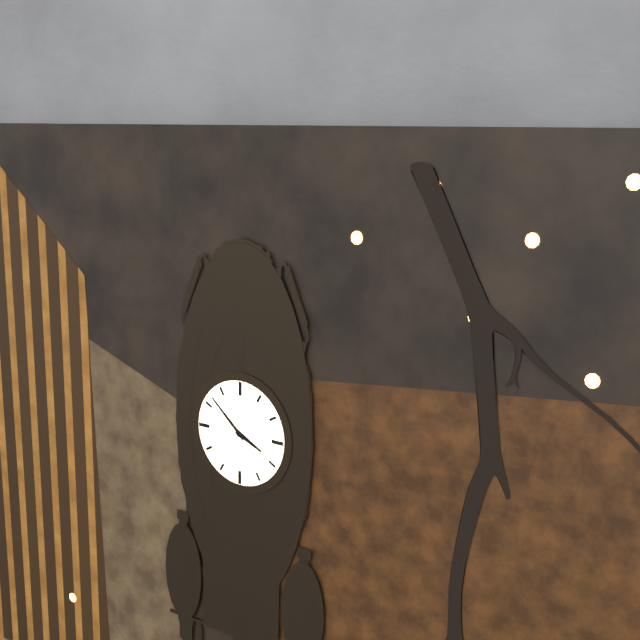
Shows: h=3 m=52
